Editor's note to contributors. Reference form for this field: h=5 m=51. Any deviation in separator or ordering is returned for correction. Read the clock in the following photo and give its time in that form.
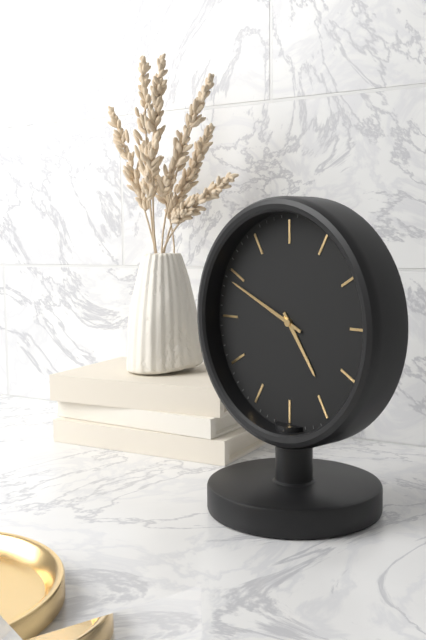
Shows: h=4 m=49
